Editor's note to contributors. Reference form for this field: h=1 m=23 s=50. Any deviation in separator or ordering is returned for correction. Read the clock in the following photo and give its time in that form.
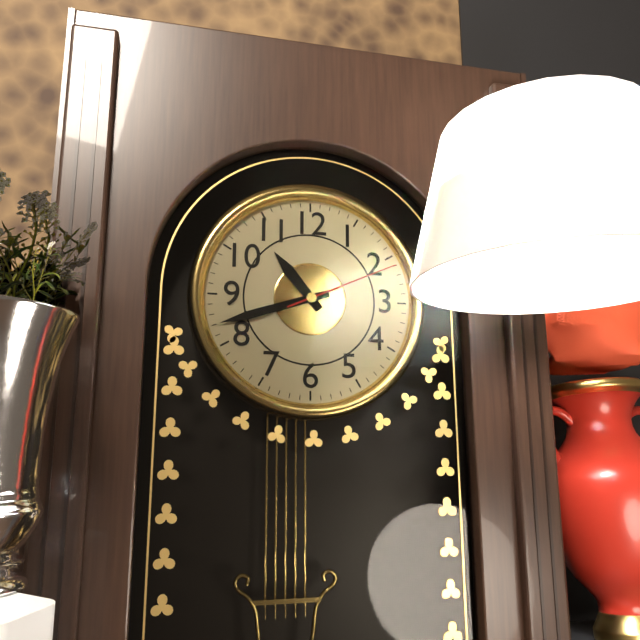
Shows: h=10 m=42 s=11
